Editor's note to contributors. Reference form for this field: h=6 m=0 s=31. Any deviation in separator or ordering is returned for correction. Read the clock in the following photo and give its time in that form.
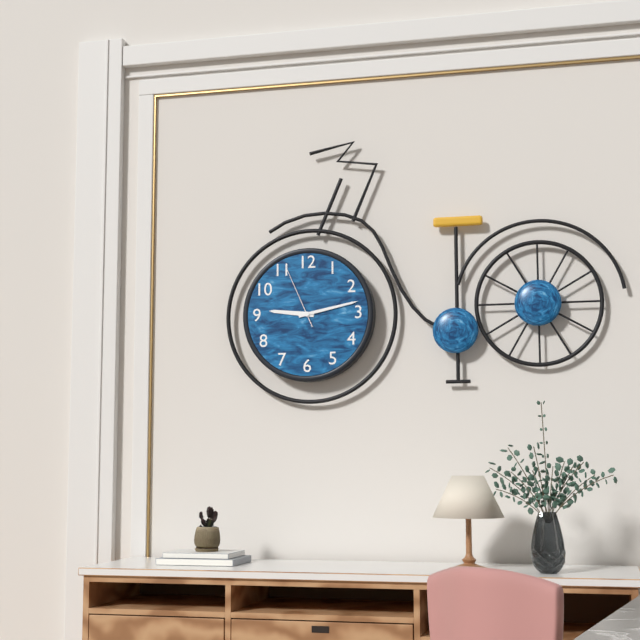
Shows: h=9 m=13 s=56
